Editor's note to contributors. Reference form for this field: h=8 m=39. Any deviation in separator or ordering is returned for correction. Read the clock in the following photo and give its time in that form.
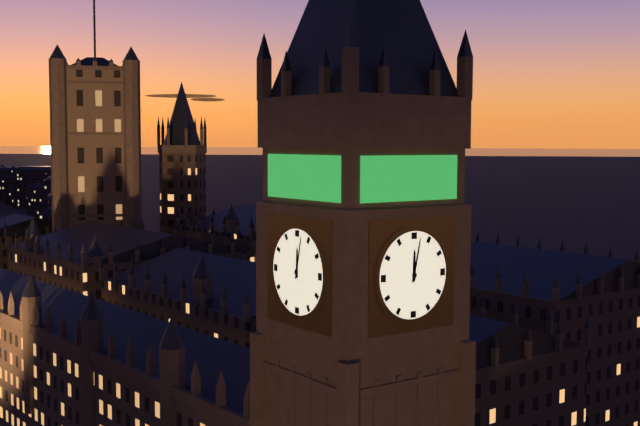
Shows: h=12 m=2
